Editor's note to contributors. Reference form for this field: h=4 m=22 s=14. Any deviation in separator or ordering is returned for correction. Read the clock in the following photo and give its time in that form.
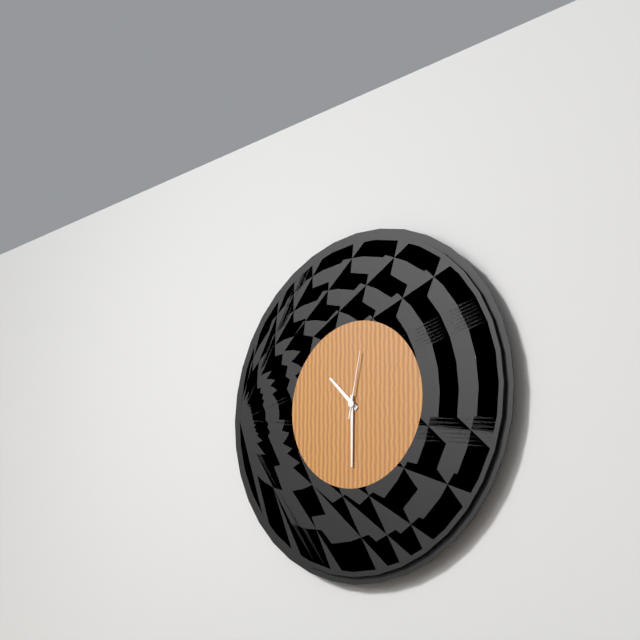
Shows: h=10 m=30 s=2
